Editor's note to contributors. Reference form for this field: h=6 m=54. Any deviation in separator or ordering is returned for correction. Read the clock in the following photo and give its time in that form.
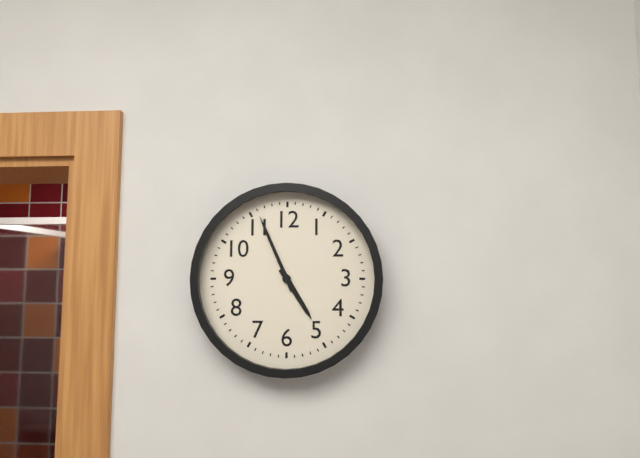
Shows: h=4 m=56
